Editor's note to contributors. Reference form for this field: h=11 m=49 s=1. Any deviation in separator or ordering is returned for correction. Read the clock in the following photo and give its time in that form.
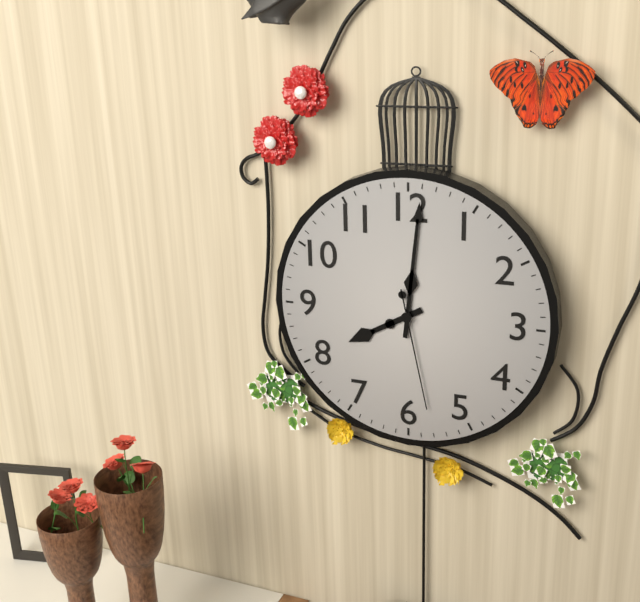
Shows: h=8 m=1 s=28
